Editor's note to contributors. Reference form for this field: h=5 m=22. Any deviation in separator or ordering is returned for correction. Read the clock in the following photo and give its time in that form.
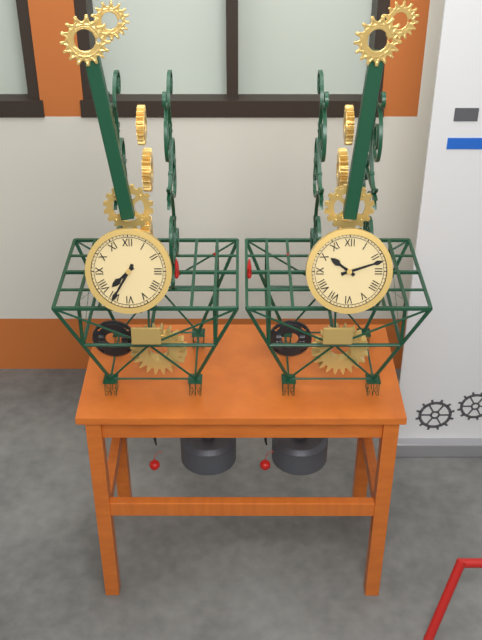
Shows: h=7 m=35
